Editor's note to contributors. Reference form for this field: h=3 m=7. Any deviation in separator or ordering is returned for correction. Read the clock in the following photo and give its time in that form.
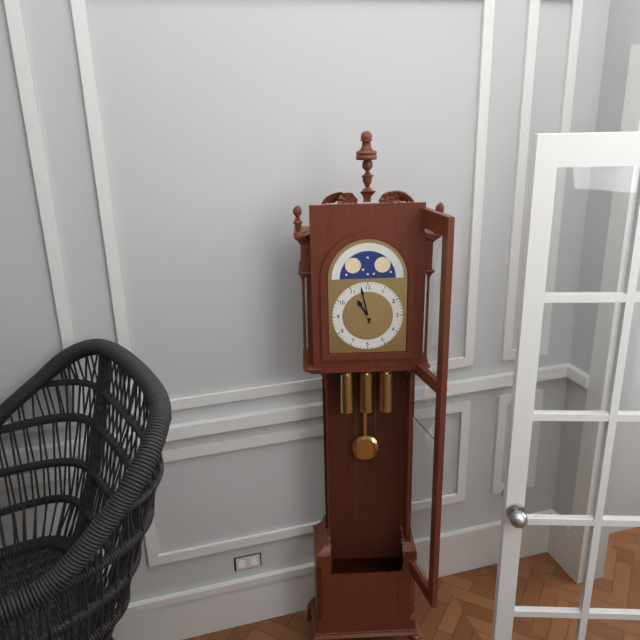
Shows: h=10 m=58
